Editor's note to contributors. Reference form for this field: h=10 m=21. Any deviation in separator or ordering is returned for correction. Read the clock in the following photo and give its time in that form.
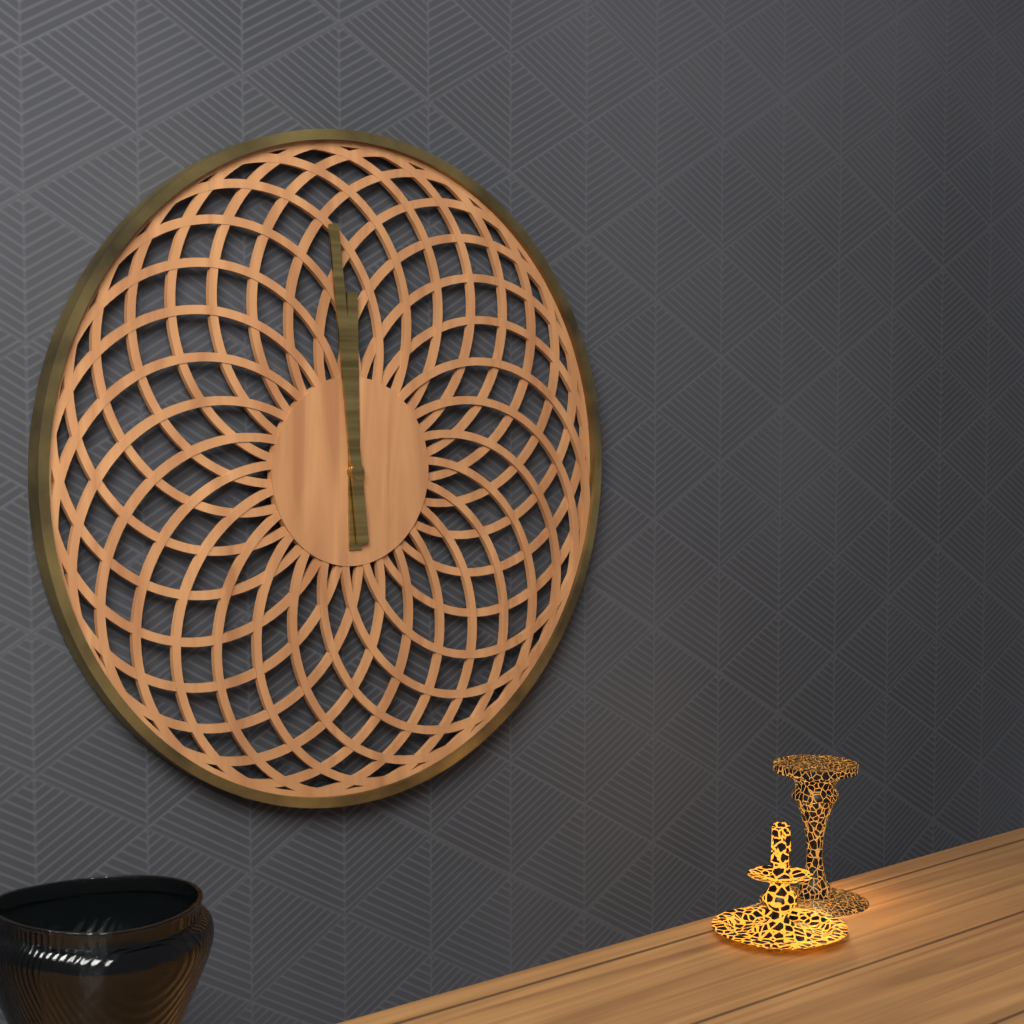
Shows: h=11 m=59
